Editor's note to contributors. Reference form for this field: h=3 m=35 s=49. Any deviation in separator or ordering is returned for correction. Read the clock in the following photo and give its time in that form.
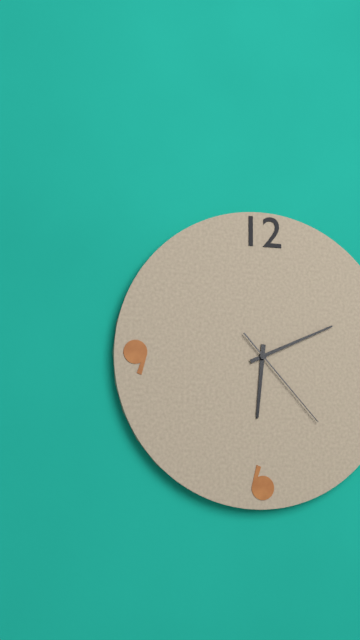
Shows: h=6 m=11 s=23
